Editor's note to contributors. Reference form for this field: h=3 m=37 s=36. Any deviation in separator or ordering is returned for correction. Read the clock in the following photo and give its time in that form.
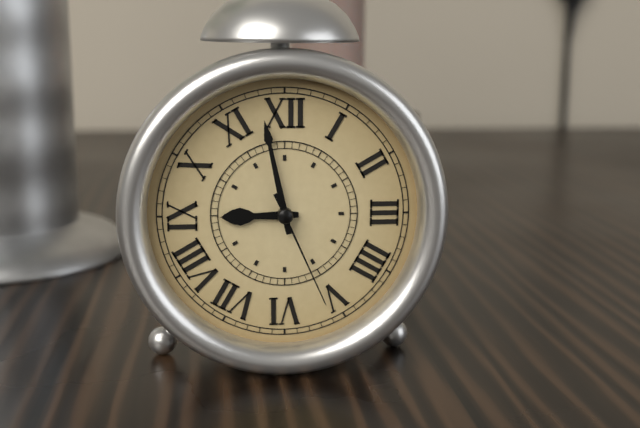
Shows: h=8 m=58 s=26
